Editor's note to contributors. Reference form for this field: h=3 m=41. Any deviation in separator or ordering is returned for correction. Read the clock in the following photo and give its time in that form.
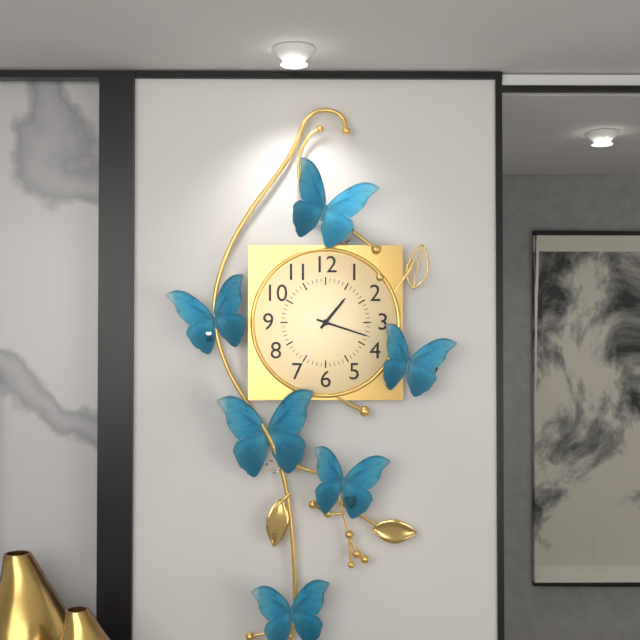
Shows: h=1 m=18
